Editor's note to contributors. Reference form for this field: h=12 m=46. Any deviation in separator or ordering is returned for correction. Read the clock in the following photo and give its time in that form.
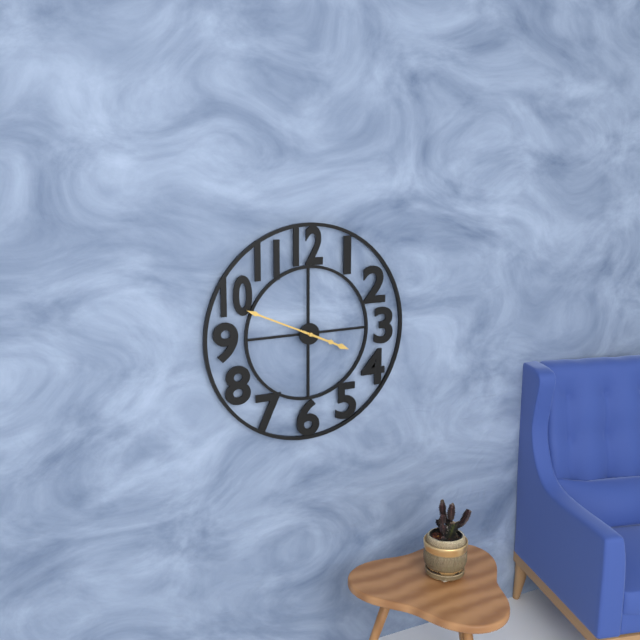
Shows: h=3 m=49
